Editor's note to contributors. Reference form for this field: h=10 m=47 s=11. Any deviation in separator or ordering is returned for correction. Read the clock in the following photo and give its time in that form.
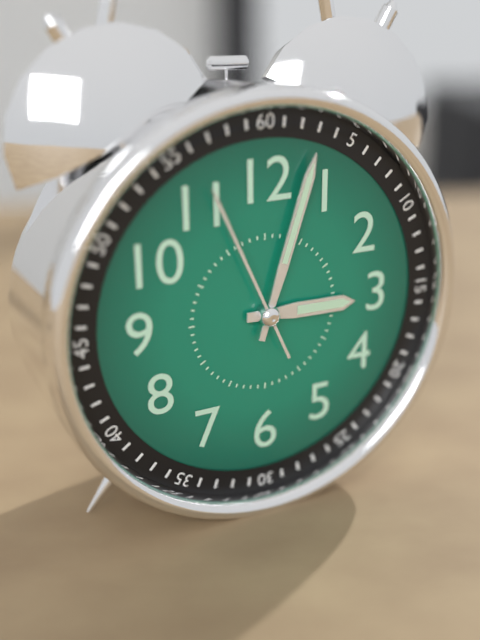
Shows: h=3 m=3 s=56
